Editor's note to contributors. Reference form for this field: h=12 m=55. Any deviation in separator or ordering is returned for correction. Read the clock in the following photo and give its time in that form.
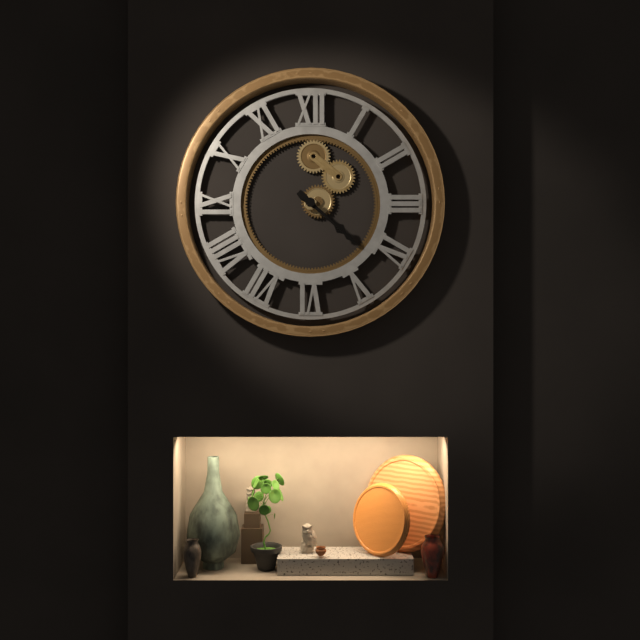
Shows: h=4 m=22
